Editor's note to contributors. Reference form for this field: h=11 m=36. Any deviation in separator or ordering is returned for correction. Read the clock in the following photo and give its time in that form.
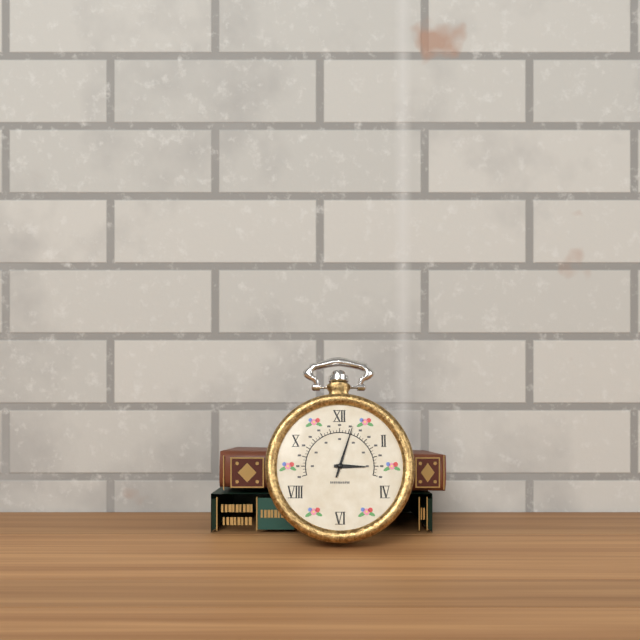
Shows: h=3 m=3
